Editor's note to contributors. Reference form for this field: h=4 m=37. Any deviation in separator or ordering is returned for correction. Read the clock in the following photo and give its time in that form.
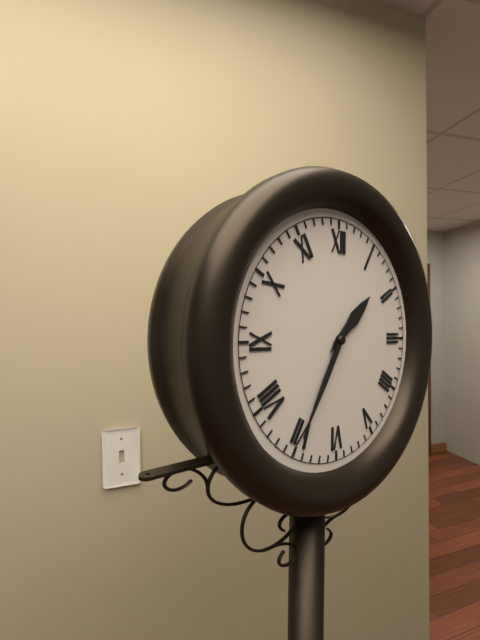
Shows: h=1 m=35
